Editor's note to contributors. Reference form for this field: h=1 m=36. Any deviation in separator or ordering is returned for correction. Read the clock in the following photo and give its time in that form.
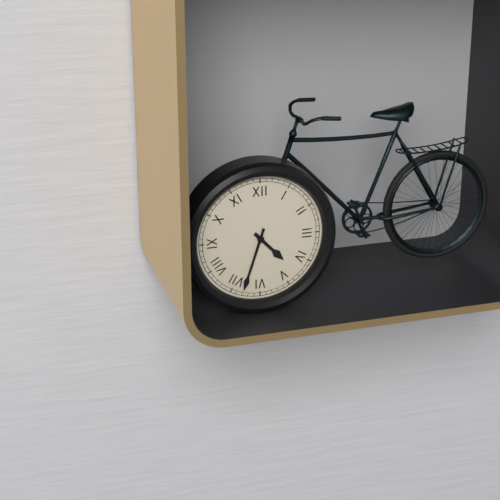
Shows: h=4 m=33
